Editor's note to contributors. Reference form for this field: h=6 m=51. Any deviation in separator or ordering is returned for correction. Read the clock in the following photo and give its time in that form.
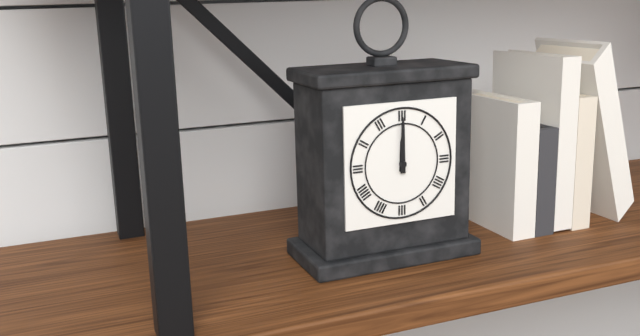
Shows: h=12 m=0
